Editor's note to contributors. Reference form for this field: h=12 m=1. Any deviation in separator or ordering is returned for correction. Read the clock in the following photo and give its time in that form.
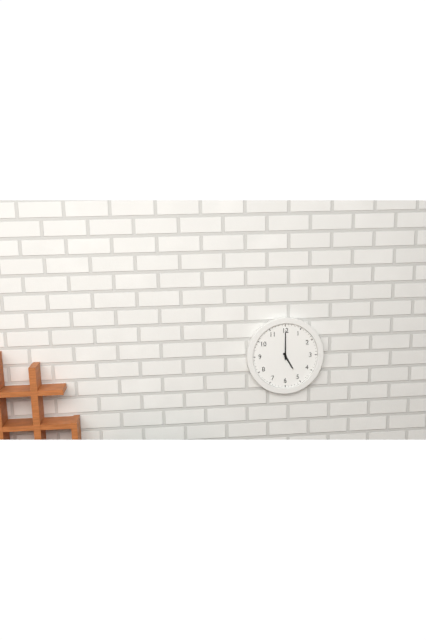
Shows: h=5 m=0
